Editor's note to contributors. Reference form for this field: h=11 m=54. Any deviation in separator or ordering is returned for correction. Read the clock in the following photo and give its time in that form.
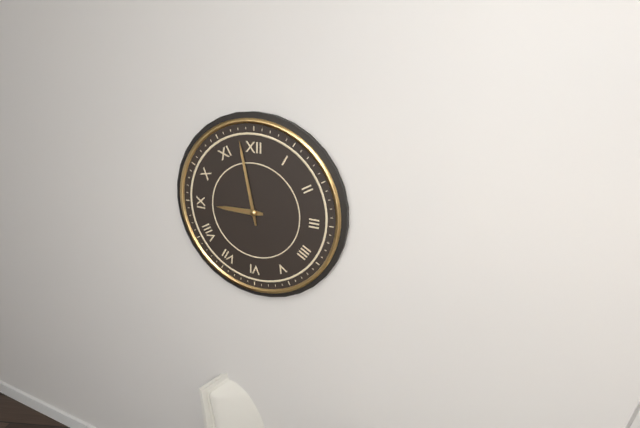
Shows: h=8 m=58
